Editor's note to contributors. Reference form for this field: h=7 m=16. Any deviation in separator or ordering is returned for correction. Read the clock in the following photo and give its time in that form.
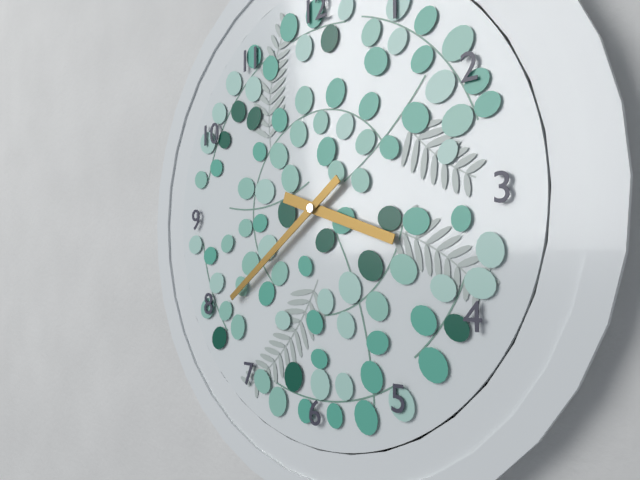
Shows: h=3 m=39
